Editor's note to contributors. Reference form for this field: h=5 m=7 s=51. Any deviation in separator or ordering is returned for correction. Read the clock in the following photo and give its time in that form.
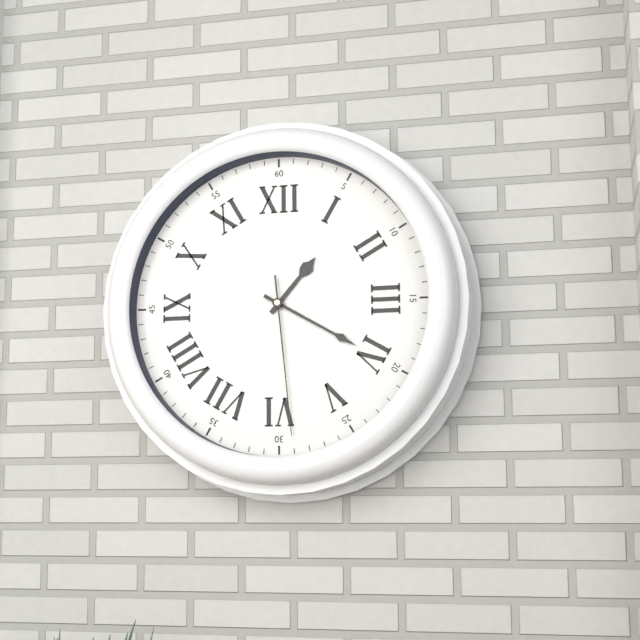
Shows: h=1 m=20 s=29
